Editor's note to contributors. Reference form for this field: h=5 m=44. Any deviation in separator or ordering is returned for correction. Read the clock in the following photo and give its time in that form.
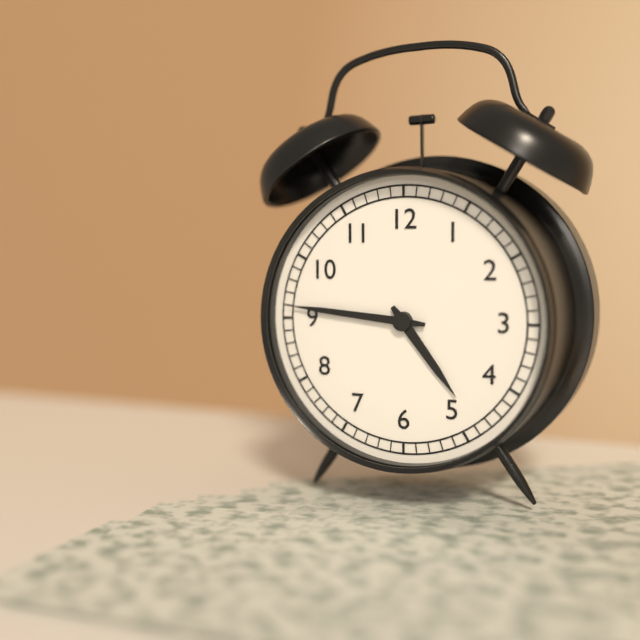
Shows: h=4 m=46
